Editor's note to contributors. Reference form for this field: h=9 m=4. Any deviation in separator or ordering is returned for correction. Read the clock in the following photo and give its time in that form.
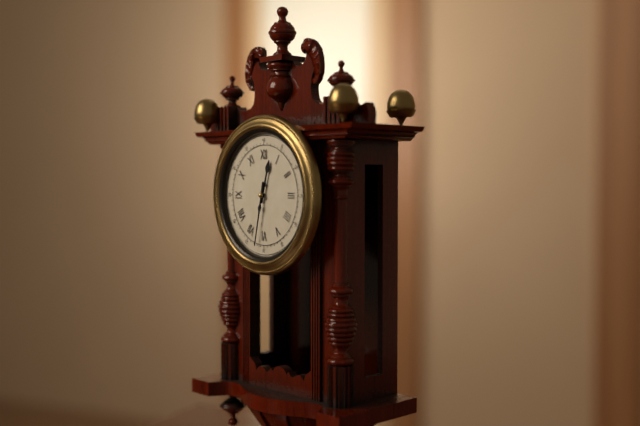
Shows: h=12 m=32
